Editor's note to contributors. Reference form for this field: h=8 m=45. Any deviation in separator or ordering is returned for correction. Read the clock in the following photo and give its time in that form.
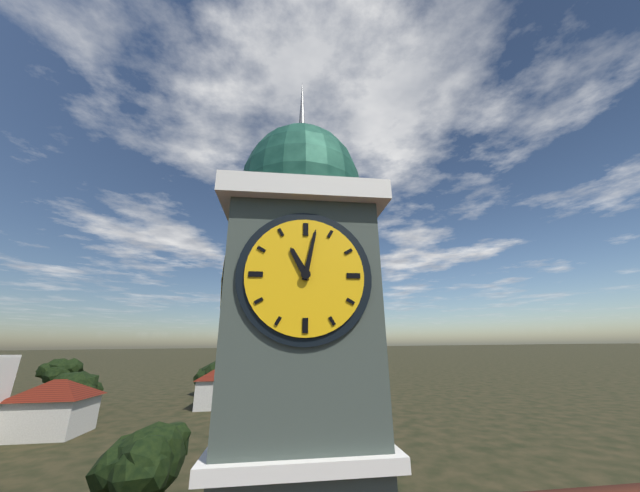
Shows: h=11 m=2
